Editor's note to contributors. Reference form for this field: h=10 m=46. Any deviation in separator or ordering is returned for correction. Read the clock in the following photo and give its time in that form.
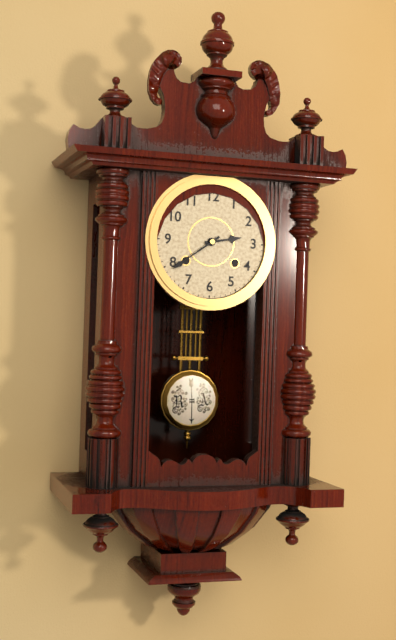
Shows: h=2 m=39
